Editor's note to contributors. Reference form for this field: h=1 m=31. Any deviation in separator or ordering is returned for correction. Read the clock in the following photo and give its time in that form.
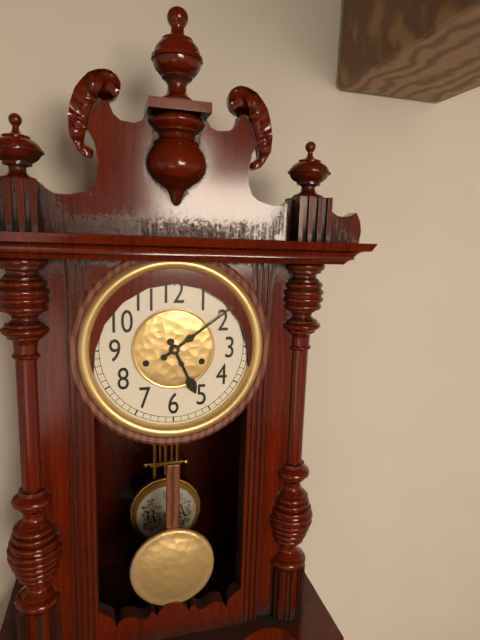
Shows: h=5 m=9
